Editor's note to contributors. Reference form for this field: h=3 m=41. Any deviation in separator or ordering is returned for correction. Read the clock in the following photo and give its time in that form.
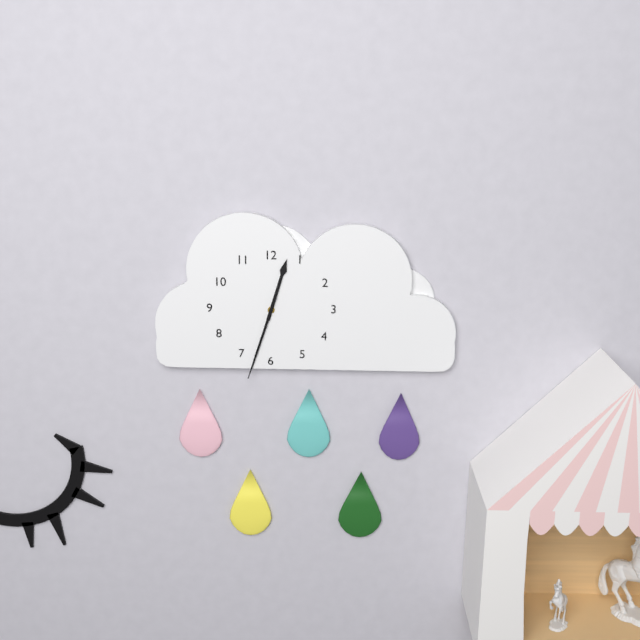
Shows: h=12 m=33
